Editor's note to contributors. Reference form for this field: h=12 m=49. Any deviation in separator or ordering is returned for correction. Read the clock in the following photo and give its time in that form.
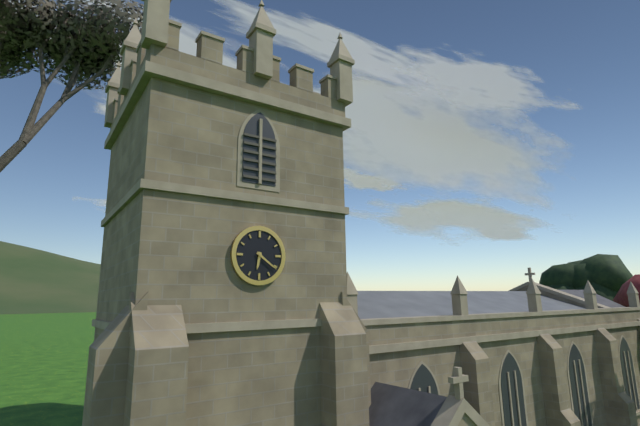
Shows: h=6 m=21
